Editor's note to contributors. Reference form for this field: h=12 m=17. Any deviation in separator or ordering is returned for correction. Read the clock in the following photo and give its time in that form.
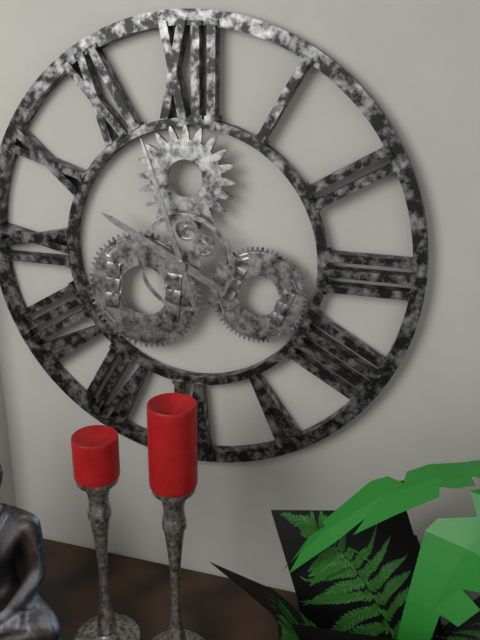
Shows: h=9 m=57
